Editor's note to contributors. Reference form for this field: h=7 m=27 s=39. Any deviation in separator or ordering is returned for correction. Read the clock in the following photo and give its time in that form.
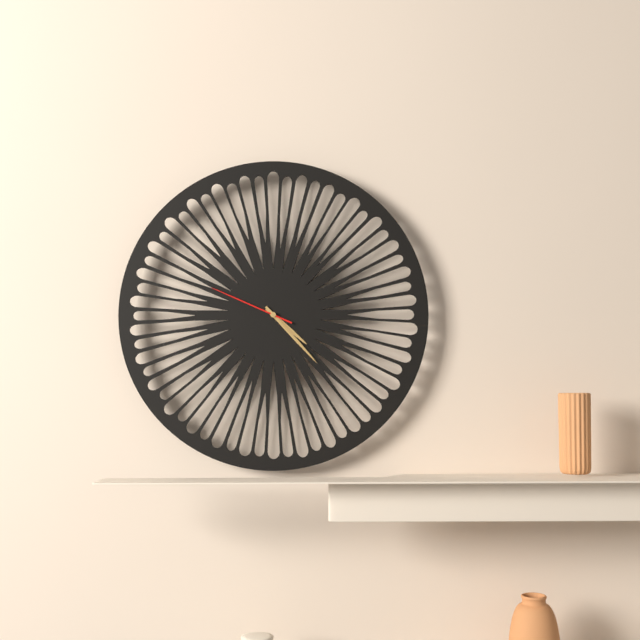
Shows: h=4 m=23 s=49
